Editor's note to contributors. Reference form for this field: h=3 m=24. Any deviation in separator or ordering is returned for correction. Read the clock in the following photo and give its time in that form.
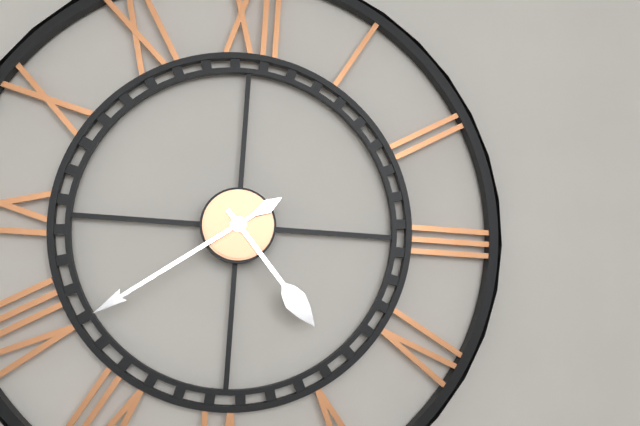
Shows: h=4 m=39
